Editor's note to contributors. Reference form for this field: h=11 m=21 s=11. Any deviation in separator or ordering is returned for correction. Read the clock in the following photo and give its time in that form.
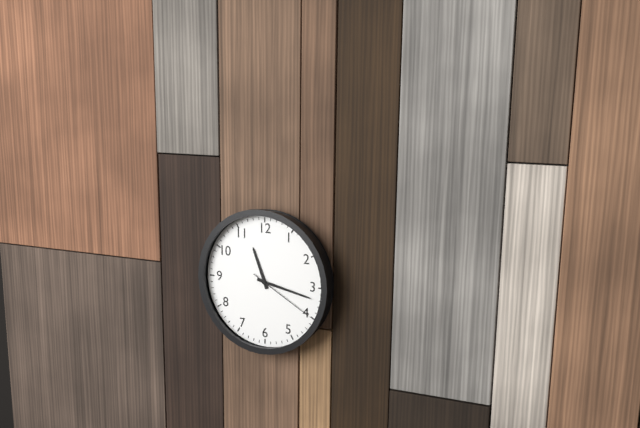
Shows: h=11 m=17 s=20
